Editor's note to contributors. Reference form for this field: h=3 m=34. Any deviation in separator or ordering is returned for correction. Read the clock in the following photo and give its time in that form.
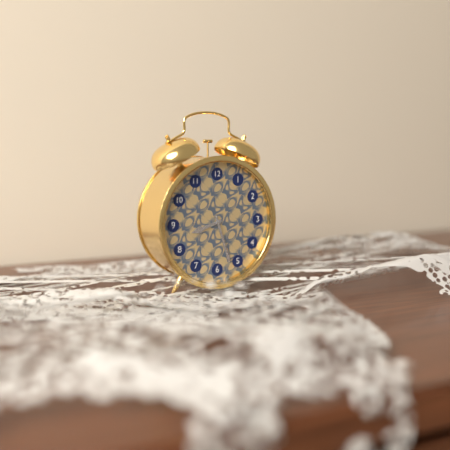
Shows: h=8 m=27
